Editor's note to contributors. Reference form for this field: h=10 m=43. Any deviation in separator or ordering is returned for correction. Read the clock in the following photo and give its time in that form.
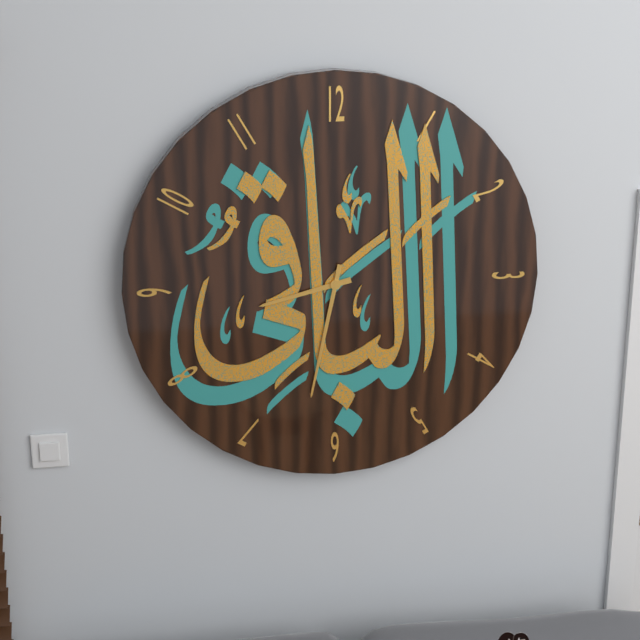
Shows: h=8 m=32
